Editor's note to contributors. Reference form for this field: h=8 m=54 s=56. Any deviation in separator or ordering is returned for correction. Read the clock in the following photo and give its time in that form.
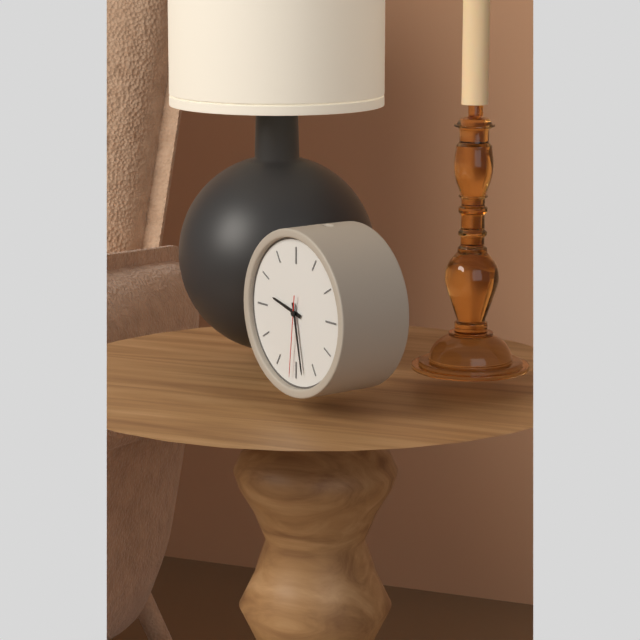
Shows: h=9 m=28 s=31
